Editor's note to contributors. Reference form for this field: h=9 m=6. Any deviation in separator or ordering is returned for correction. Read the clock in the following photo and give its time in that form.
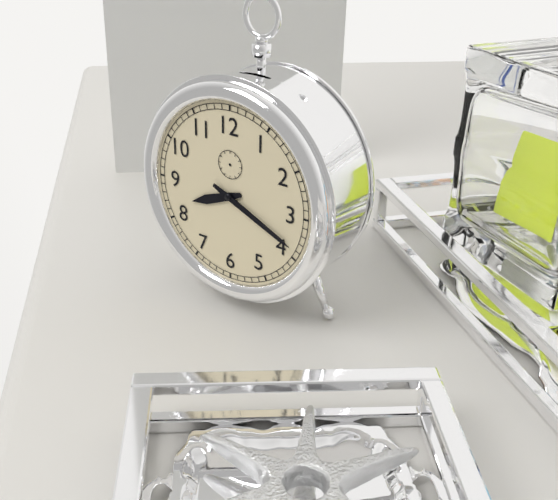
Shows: h=8 m=19
